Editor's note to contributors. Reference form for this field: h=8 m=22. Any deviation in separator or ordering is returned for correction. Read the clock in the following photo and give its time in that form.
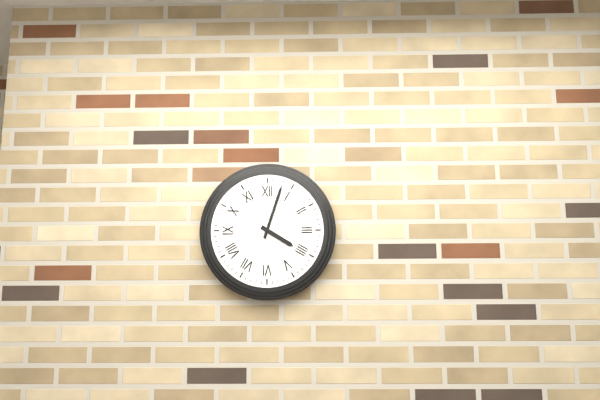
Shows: h=4 m=3
